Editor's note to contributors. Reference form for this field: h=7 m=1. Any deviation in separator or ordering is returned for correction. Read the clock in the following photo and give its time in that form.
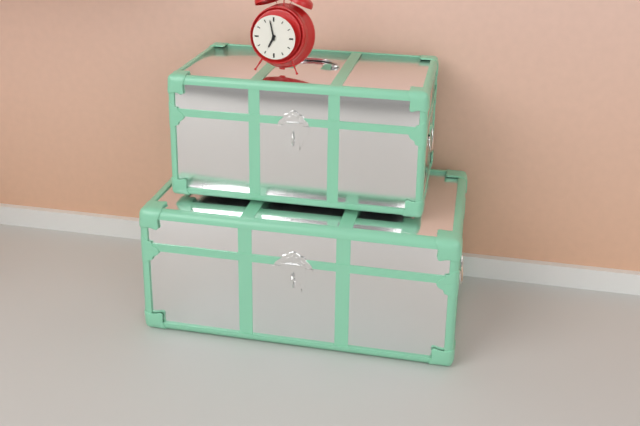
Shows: h=6 m=58
